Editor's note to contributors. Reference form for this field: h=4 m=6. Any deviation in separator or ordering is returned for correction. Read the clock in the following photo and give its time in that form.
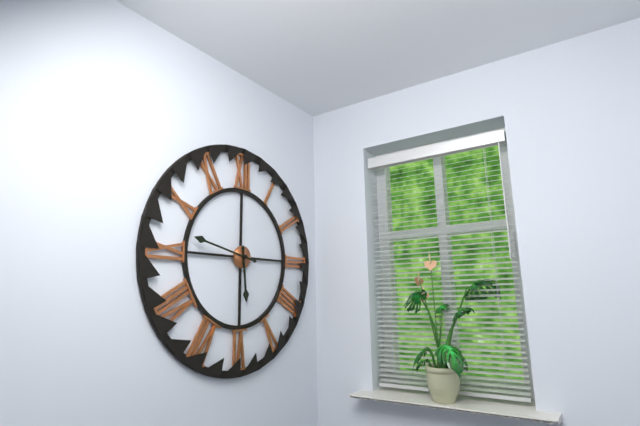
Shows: h=5 m=47
